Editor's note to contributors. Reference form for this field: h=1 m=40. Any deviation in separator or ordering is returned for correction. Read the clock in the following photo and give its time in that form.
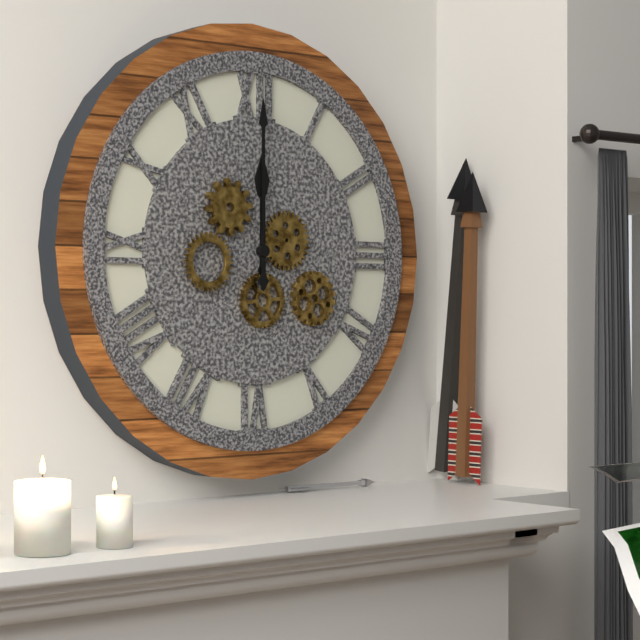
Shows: h=12 m=0
